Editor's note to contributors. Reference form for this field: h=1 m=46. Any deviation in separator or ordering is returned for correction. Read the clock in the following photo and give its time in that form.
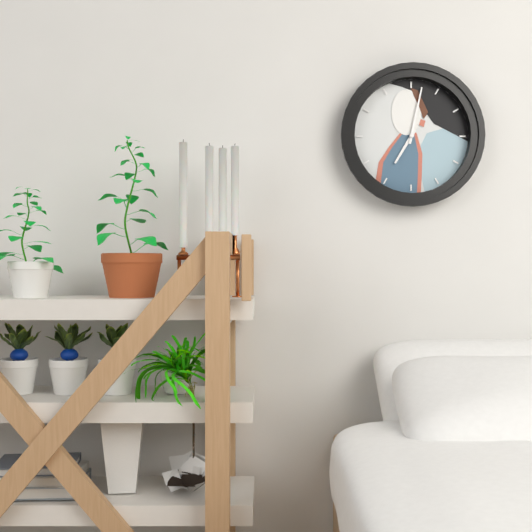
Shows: h=7 m=2
